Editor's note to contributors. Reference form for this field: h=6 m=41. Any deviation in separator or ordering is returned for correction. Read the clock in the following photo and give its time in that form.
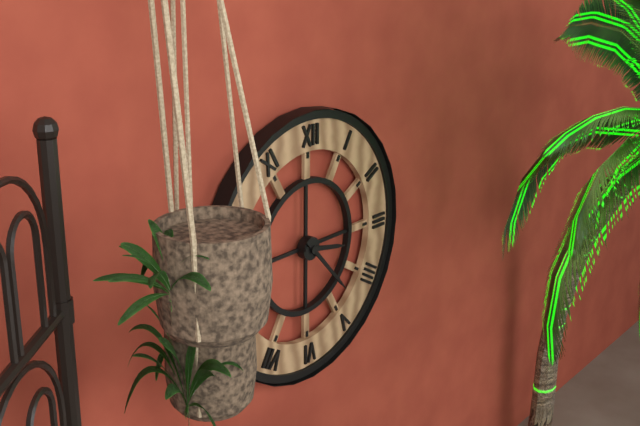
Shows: h=3 m=23
